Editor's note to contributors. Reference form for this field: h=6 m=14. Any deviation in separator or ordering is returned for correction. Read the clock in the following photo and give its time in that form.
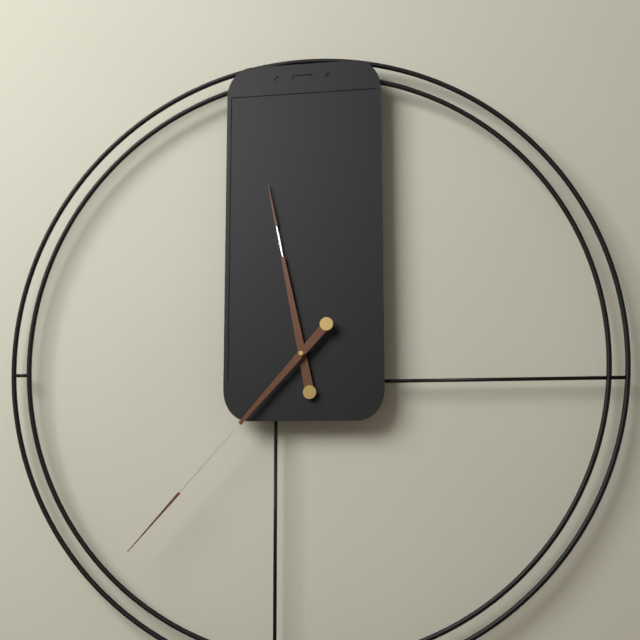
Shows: h=11 m=37
